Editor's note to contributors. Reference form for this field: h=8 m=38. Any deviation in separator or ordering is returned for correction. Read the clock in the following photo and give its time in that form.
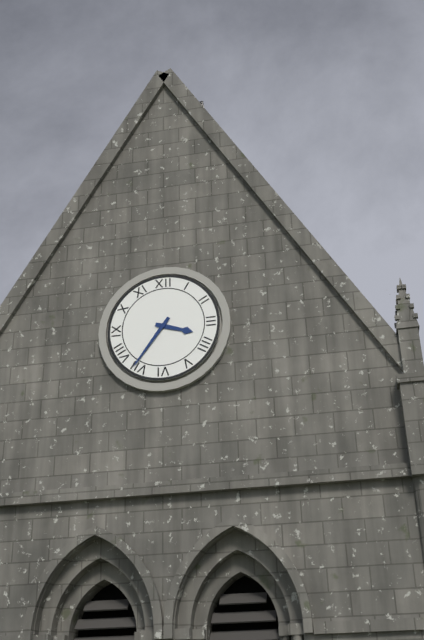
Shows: h=3 m=36
